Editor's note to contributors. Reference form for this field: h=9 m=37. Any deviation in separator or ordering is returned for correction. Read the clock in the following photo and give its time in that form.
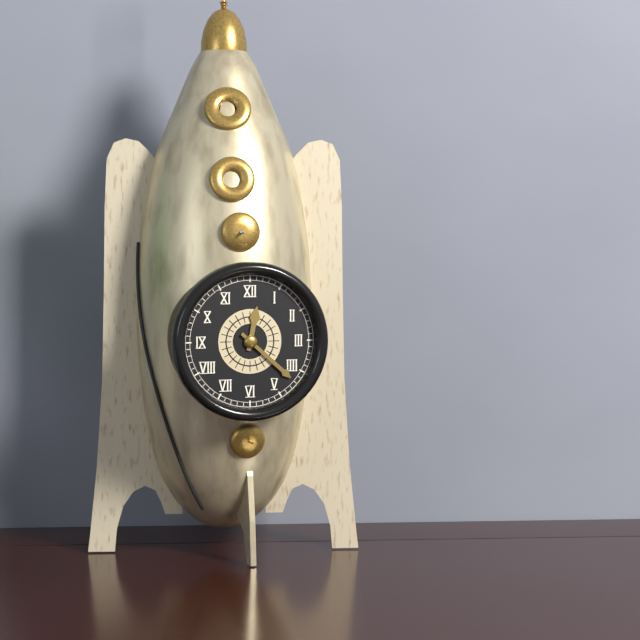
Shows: h=12 m=22
